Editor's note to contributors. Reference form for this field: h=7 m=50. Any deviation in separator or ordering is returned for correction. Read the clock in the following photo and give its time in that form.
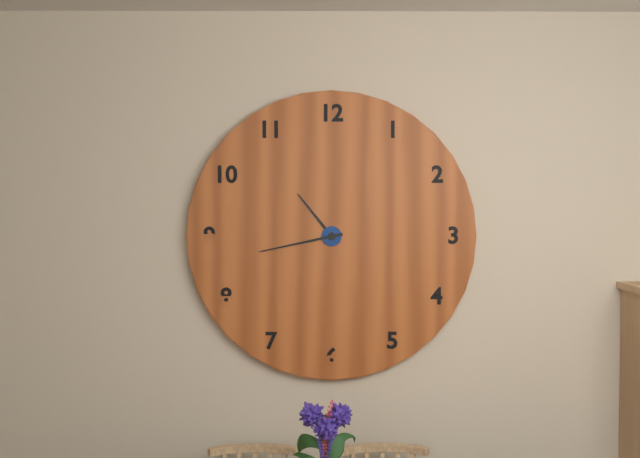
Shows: h=10 m=43
